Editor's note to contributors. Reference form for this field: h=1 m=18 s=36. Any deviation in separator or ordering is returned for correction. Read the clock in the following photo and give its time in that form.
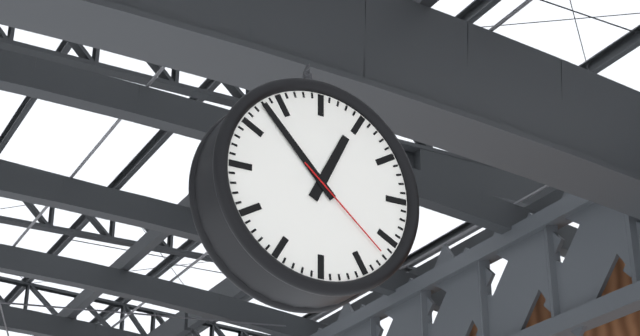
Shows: h=12 m=53 s=22
